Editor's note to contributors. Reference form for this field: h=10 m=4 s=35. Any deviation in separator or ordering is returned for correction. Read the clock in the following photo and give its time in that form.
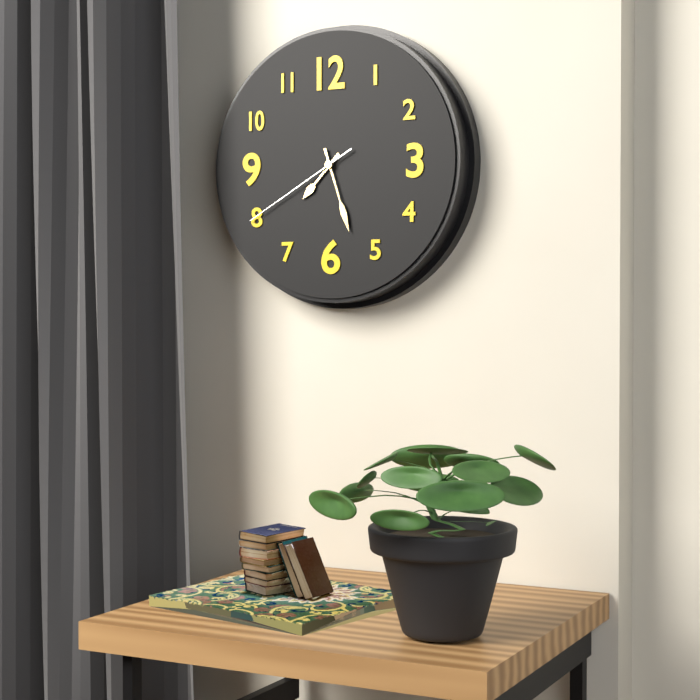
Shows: h=7 m=27 s=40
